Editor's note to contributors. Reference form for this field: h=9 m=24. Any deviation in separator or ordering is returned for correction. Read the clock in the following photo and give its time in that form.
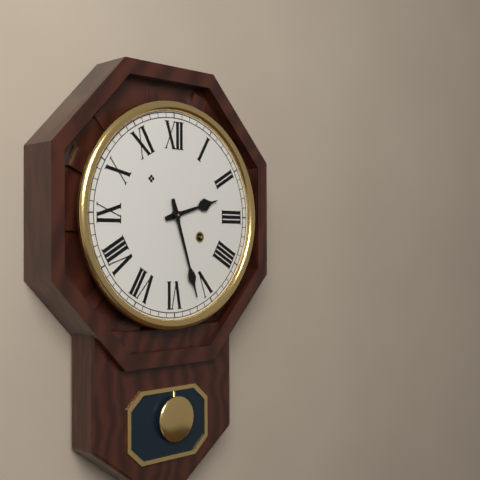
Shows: h=2 m=27
